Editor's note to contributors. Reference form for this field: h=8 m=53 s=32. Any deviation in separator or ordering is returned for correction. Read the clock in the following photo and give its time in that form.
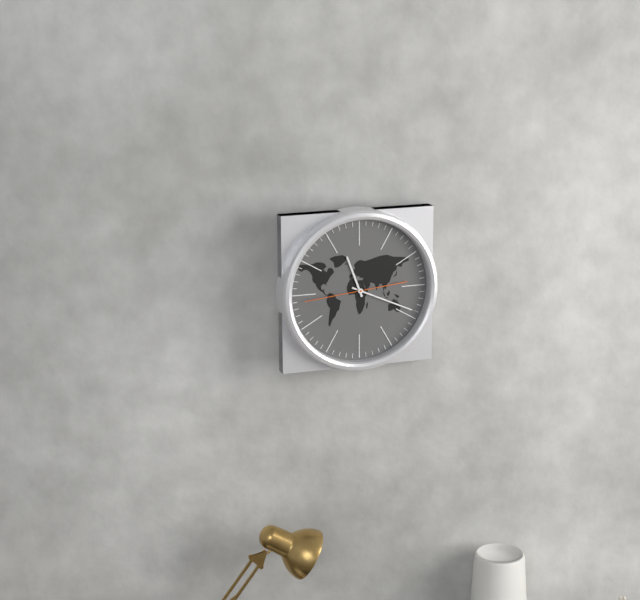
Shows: h=11 m=19 s=44
